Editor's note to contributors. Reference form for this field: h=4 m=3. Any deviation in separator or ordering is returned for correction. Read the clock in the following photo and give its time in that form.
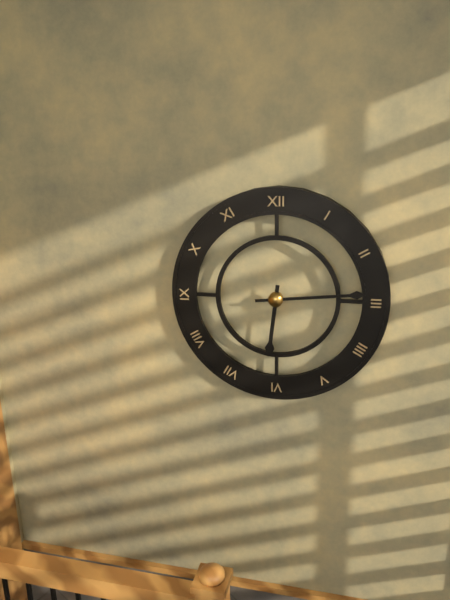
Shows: h=6 m=14
